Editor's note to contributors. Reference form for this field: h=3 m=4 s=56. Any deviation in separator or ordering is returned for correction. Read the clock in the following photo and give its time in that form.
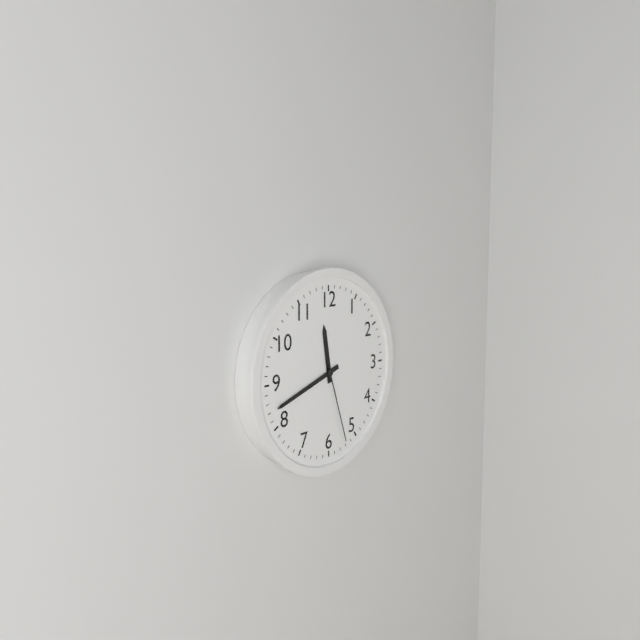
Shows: h=11 m=42 s=27
